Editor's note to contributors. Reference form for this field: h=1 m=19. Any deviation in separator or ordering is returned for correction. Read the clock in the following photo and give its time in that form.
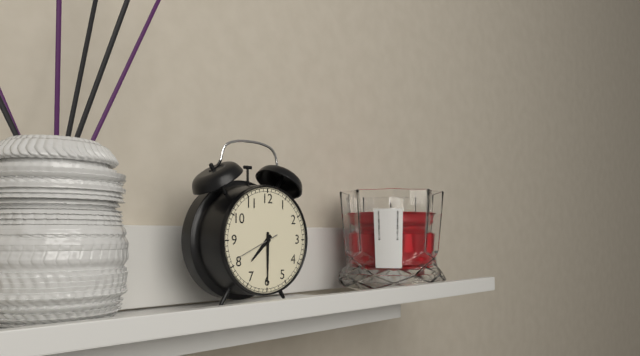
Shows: h=7 m=30
